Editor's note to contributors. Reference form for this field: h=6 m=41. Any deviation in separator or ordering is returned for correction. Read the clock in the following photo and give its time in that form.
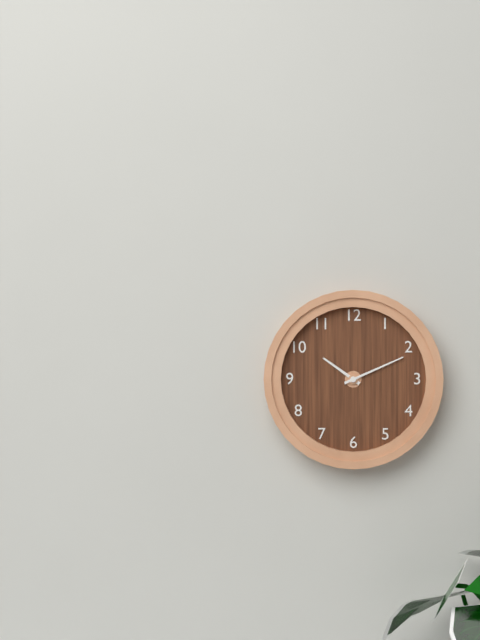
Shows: h=10 m=11
